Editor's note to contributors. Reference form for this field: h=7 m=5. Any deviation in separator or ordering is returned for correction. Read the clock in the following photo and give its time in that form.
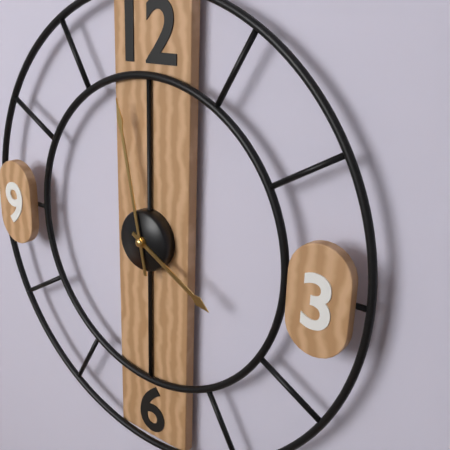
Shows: h=3 m=58
